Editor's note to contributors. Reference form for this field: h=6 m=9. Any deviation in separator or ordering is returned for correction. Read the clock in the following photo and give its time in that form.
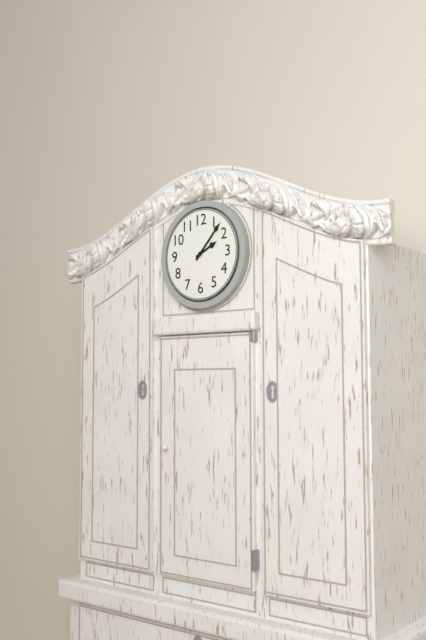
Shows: h=2 m=7
